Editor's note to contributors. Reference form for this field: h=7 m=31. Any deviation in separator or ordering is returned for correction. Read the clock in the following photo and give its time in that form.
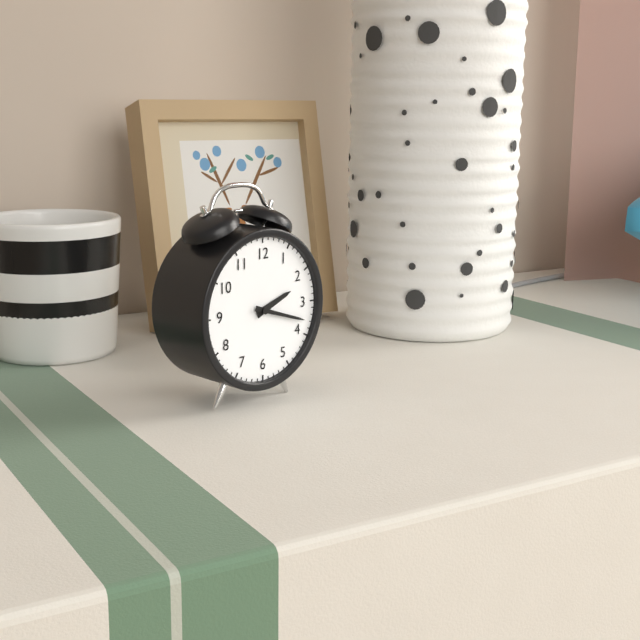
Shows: h=2 m=18
